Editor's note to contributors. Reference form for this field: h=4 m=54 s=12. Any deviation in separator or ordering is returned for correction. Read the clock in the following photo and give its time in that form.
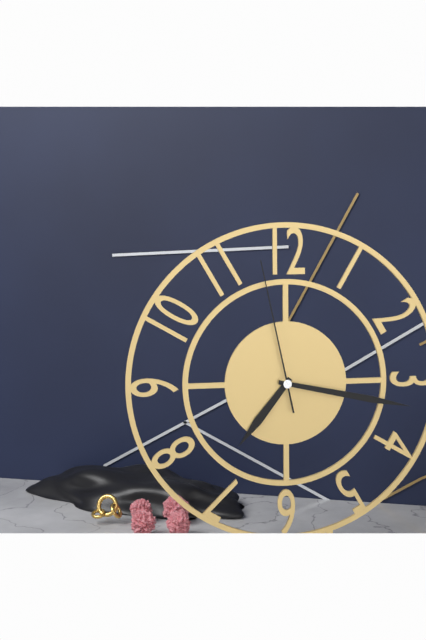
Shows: h=7 m=17 s=58
